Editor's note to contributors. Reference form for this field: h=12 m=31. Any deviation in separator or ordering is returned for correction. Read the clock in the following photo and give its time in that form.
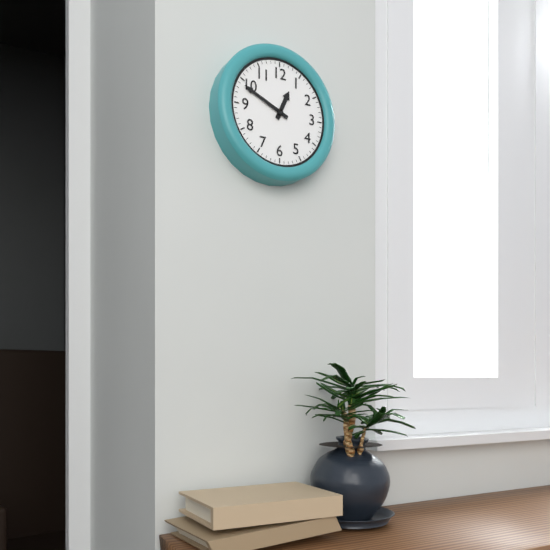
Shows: h=12 m=49
